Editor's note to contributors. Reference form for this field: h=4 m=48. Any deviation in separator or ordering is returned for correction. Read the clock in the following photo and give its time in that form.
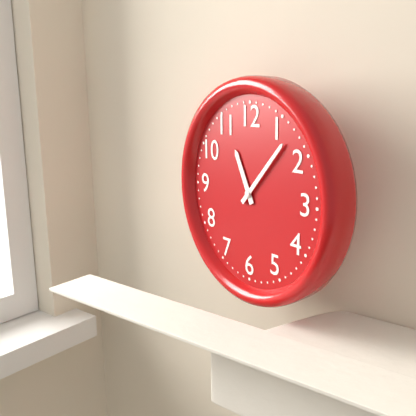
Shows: h=11 m=7
